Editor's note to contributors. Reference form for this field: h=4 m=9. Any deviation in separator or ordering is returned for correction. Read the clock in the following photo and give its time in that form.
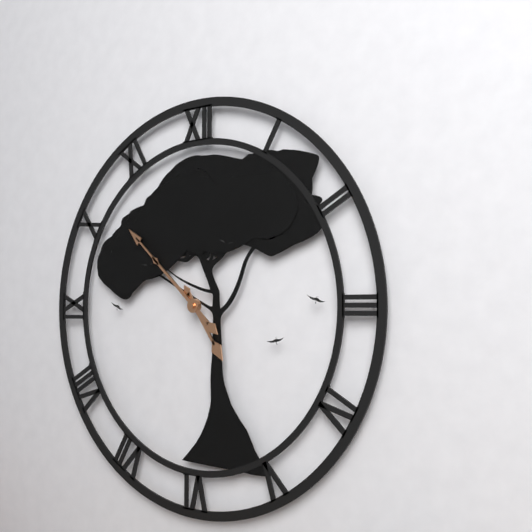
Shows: h=4 m=52
